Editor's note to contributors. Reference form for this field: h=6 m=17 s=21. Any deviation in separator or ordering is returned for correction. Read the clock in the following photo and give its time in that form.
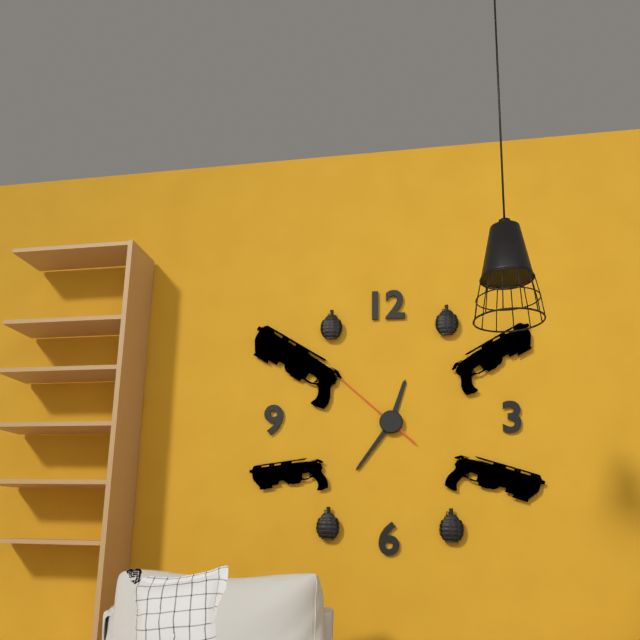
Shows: h=12 m=36 s=52
